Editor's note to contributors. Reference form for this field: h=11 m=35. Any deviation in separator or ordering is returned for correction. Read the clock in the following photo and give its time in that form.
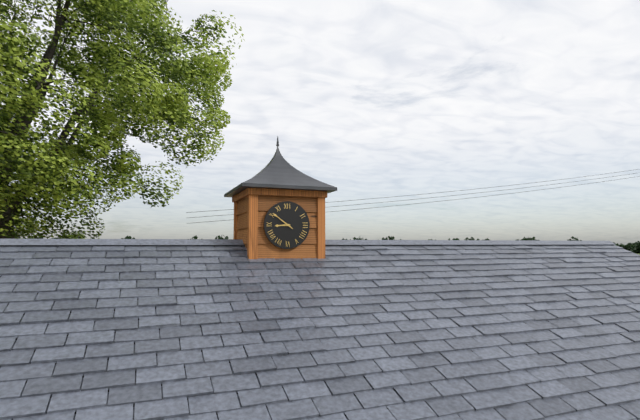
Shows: h=8 m=51
